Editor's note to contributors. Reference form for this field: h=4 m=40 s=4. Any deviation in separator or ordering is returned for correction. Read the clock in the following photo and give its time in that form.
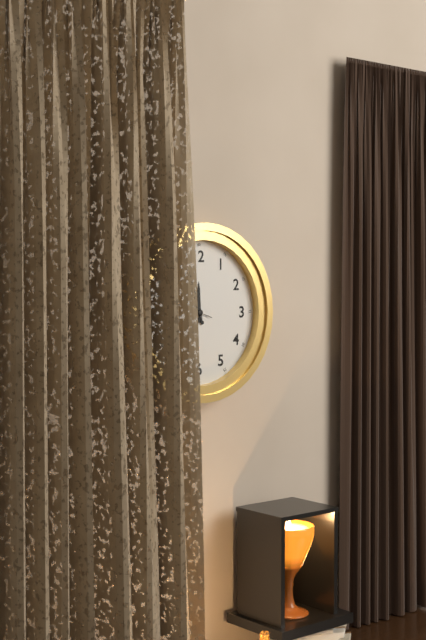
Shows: h=11 m=57 s=48
